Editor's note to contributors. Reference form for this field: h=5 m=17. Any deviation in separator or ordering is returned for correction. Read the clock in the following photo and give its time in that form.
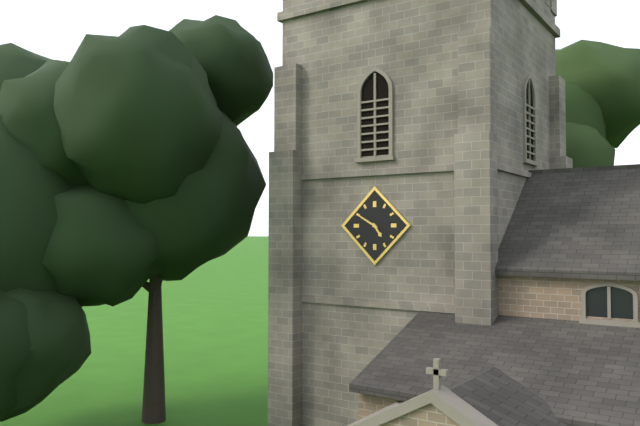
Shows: h=4 m=50
